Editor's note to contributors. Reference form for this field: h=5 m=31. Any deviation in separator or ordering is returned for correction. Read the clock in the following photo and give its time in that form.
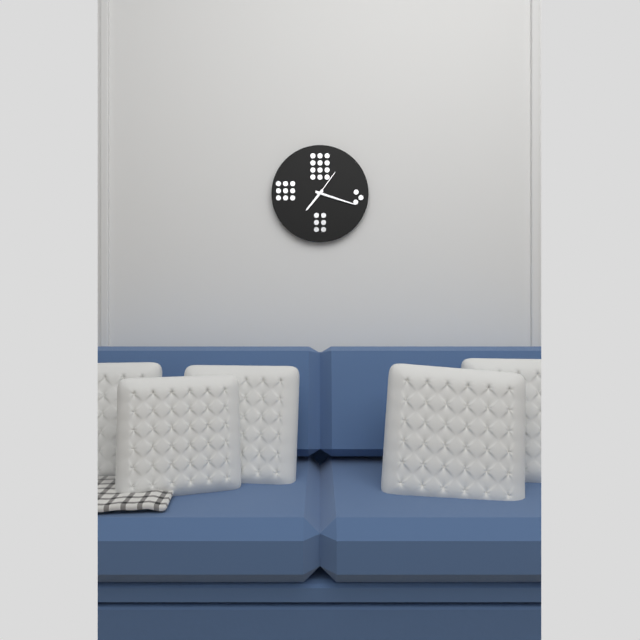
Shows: h=7 m=18
